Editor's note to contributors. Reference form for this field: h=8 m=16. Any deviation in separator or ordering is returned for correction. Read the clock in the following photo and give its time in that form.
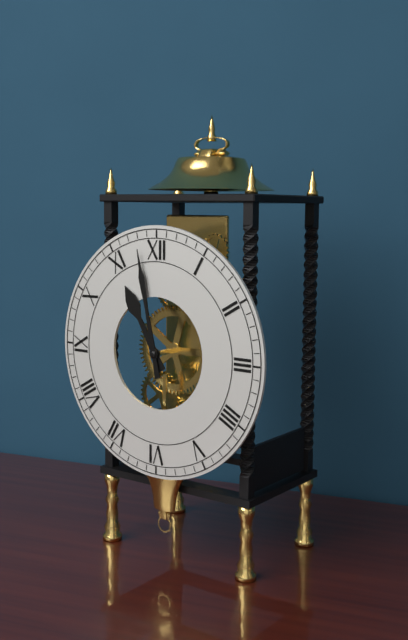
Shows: h=10 m=58
